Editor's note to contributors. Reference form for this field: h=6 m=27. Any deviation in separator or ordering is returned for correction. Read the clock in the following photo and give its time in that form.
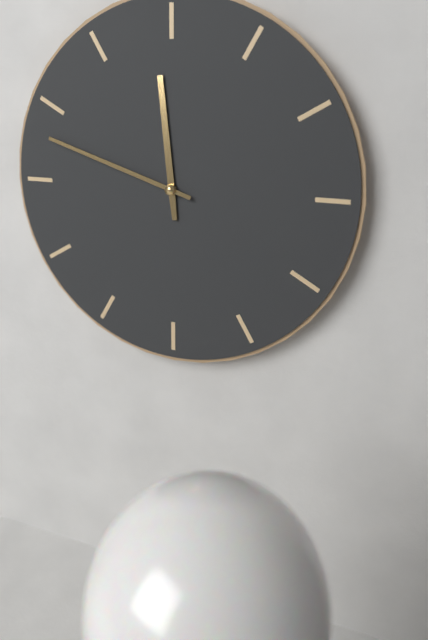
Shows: h=11 m=48
